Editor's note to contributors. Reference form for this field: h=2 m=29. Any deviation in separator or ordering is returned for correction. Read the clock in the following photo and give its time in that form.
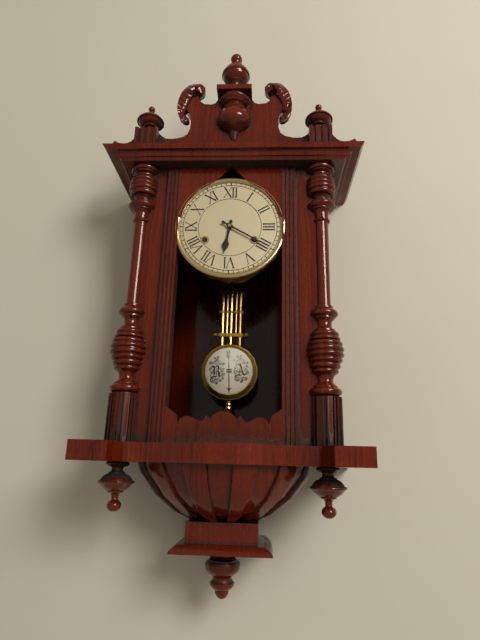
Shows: h=6 m=20
